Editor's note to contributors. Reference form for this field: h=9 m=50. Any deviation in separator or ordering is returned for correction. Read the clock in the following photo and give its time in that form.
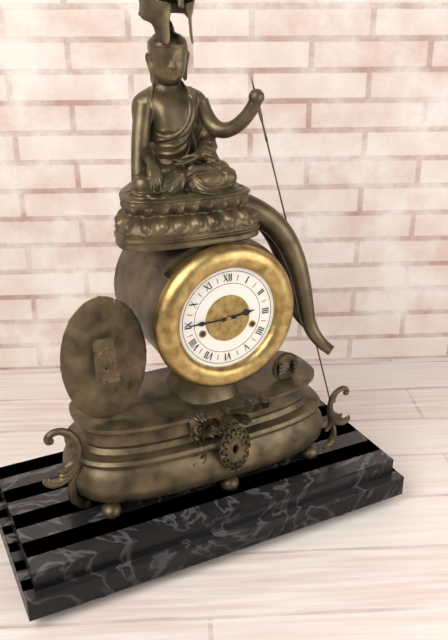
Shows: h=2 m=45
